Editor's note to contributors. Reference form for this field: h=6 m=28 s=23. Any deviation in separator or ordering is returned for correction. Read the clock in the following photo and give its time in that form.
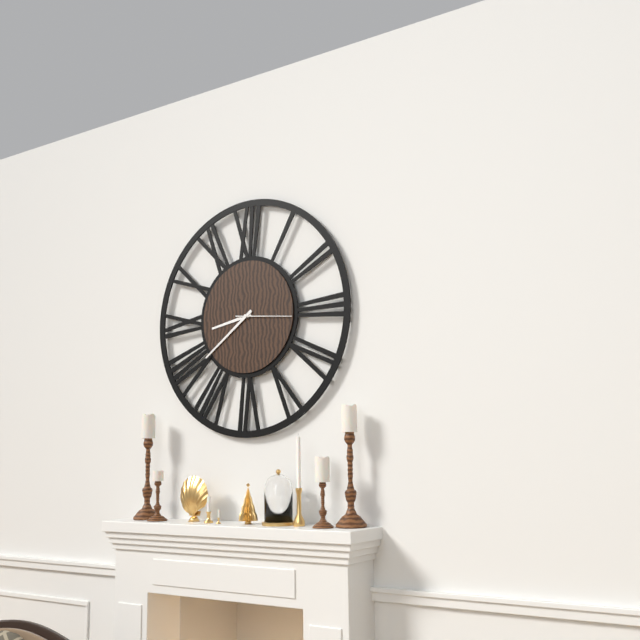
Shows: h=8 m=39 s=16
